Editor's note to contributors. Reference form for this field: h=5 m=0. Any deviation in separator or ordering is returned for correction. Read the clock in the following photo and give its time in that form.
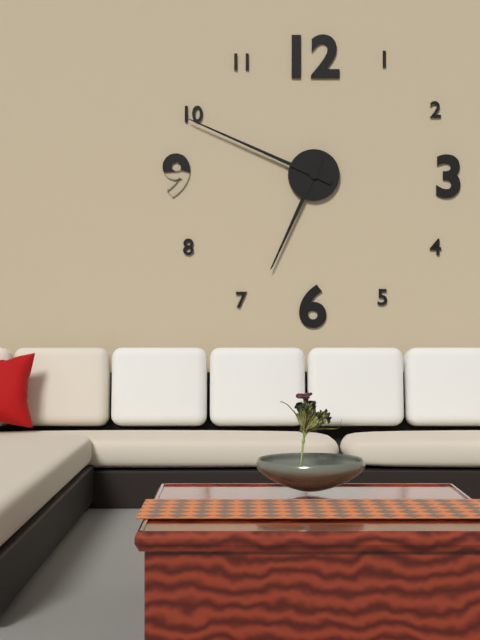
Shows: h=6 m=49
